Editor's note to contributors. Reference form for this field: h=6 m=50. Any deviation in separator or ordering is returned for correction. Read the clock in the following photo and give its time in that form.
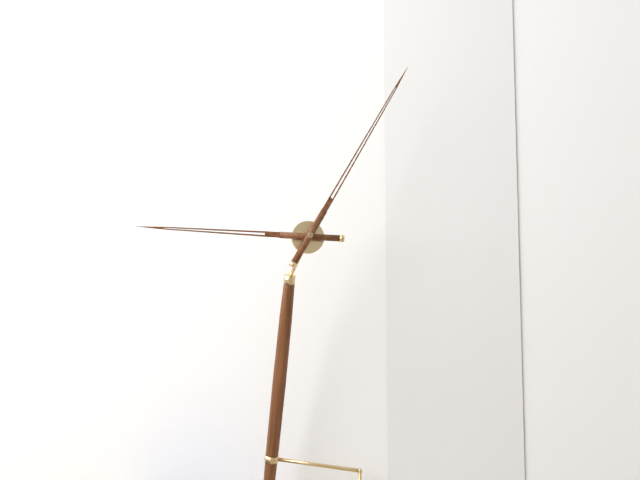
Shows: h=9 m=5
